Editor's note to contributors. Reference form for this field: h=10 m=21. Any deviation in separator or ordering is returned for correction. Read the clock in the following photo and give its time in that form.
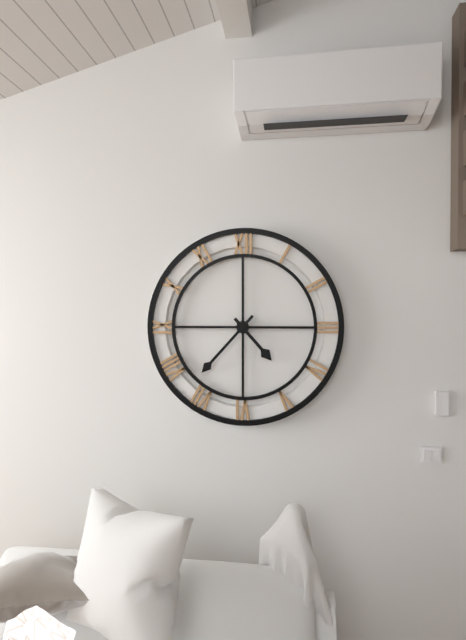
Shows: h=4 m=37
